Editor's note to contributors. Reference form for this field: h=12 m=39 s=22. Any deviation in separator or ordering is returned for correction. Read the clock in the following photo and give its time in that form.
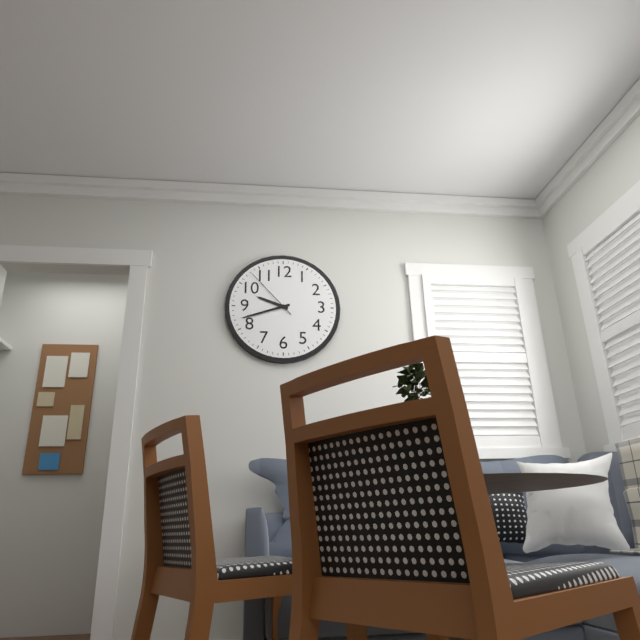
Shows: h=9 m=42 s=53
